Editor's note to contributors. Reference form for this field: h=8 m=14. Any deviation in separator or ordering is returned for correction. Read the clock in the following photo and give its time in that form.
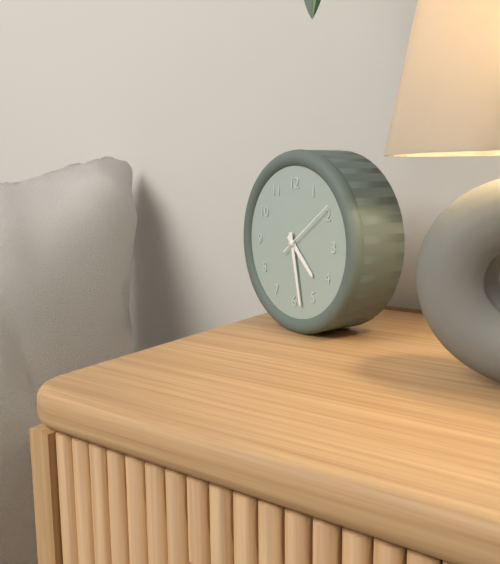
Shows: h=4 m=28
